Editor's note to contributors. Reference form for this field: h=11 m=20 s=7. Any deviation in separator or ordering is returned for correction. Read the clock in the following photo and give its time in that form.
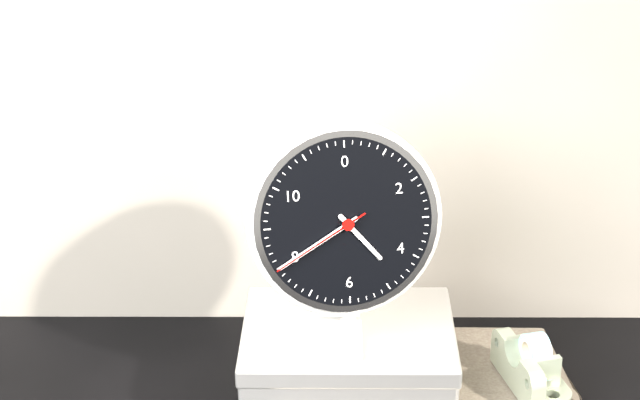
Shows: h=4 m=40 s=40
